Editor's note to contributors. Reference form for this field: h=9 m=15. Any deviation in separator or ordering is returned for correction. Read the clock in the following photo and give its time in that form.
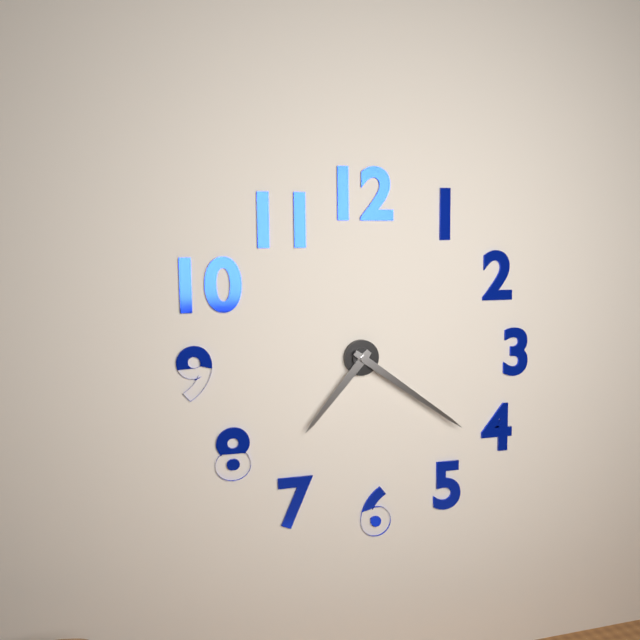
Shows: h=7 m=21
